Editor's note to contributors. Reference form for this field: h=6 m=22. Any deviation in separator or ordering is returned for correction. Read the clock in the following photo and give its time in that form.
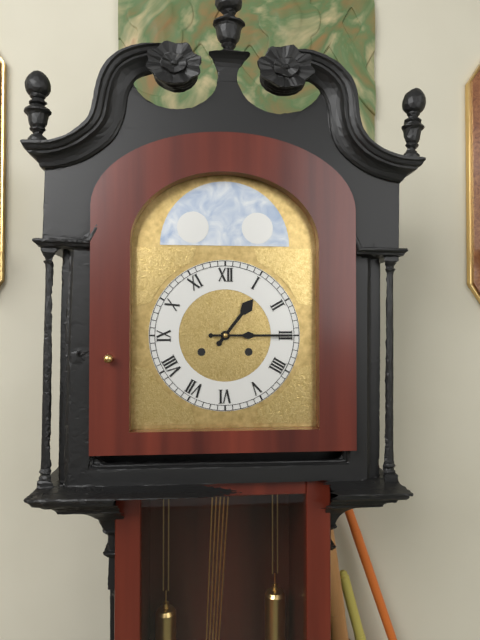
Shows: h=1 m=15
